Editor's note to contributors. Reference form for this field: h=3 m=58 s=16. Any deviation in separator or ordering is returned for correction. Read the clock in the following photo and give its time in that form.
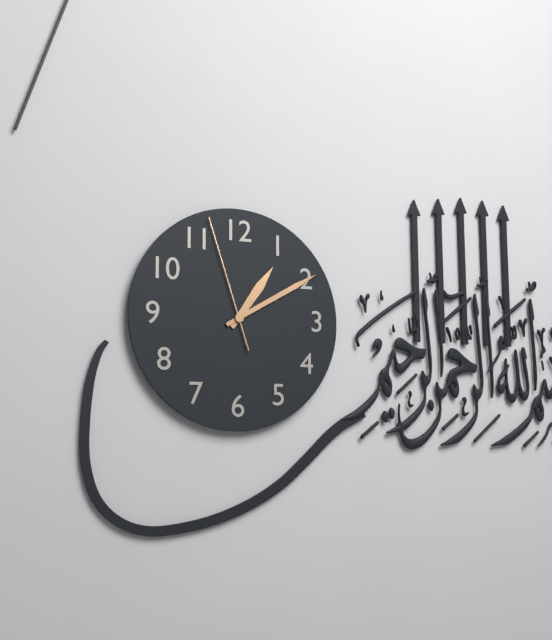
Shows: h=1 m=10 s=57
